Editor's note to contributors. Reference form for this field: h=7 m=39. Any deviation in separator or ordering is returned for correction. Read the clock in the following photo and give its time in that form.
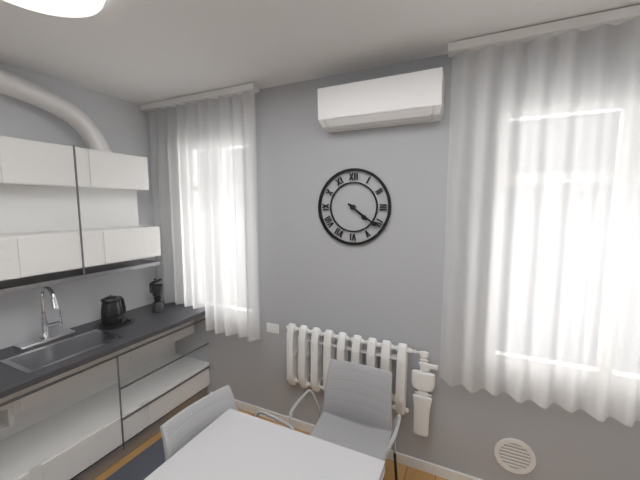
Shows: h=4 m=21
